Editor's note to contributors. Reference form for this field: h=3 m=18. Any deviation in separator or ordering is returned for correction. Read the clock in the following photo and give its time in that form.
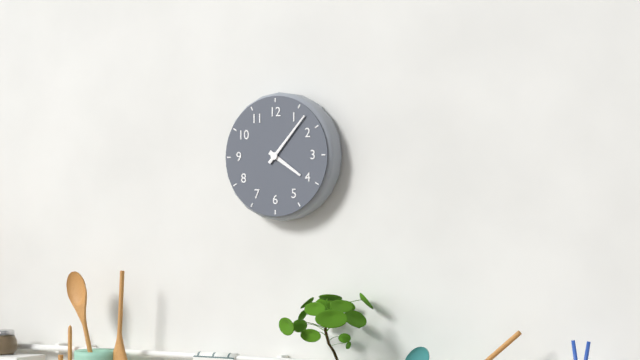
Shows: h=4 m=7
